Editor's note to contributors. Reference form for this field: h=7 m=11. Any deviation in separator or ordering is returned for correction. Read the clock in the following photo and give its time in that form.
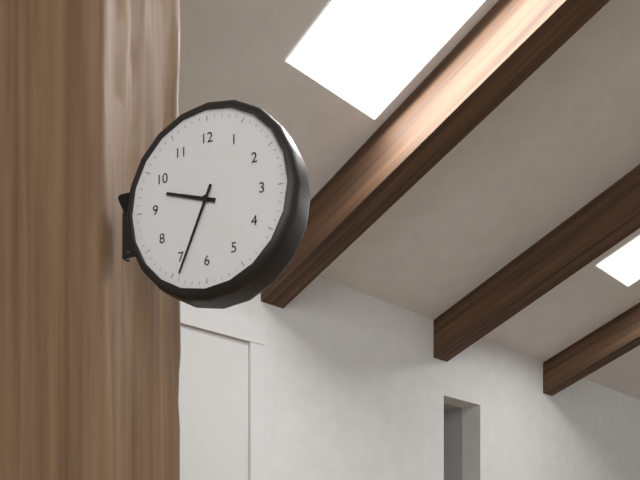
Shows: h=9 m=34
